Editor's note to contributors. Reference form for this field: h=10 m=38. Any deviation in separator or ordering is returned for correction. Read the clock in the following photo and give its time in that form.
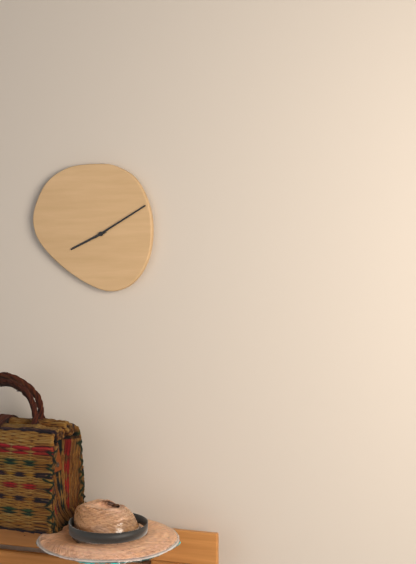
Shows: h=8 m=10
